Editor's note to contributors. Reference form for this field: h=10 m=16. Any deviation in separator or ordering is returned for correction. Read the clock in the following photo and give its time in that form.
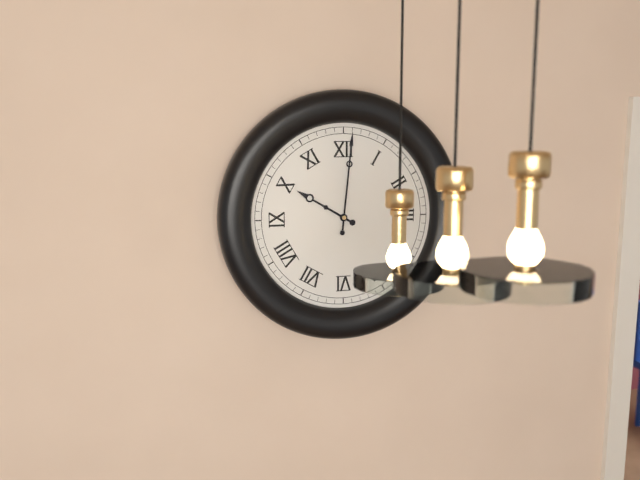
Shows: h=10 m=1
